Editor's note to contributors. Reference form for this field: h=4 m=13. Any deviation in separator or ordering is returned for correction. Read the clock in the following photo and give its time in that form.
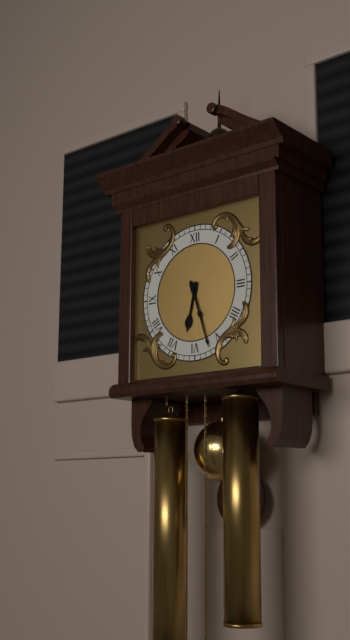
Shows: h=6 m=27
